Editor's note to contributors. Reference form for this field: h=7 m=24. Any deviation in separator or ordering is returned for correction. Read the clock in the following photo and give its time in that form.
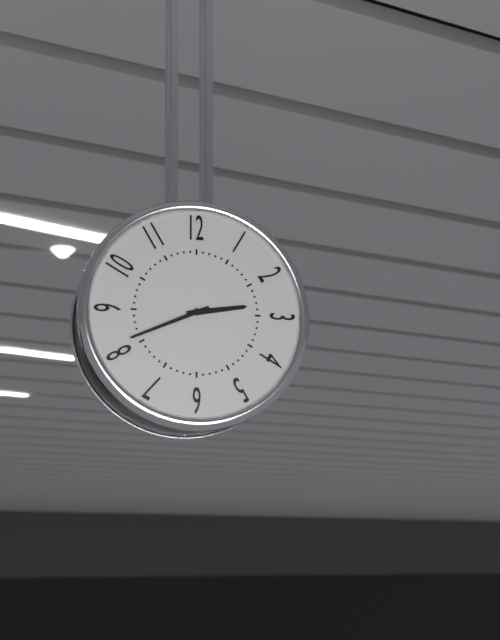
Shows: h=2 m=41
